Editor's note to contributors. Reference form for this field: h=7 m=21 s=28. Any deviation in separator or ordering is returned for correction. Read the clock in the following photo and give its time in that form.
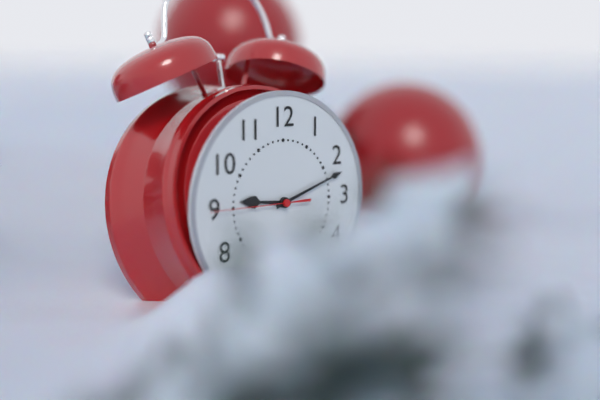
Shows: h=9 m=12 s=45
